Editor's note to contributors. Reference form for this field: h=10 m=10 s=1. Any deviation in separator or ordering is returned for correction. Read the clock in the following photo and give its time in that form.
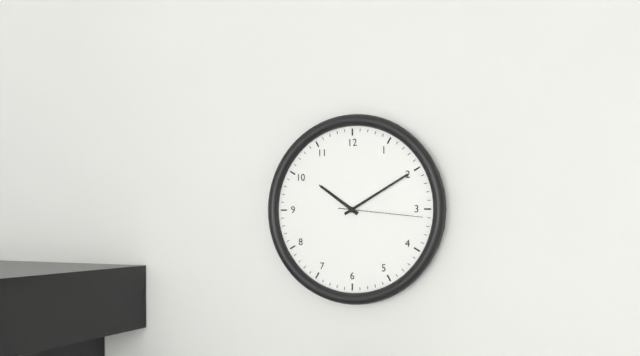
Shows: h=10 m=10 s=16
